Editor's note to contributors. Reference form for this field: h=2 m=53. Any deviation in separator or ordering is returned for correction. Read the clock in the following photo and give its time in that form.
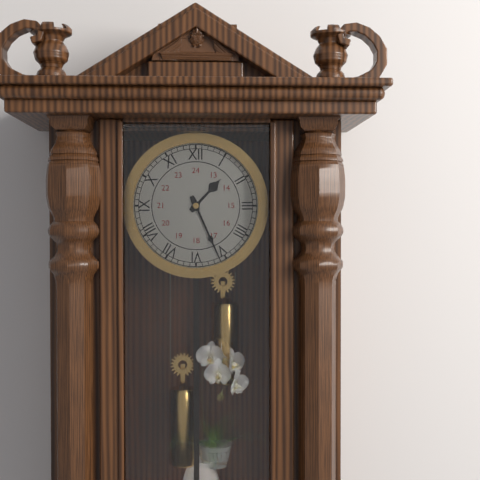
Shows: h=1 m=26
